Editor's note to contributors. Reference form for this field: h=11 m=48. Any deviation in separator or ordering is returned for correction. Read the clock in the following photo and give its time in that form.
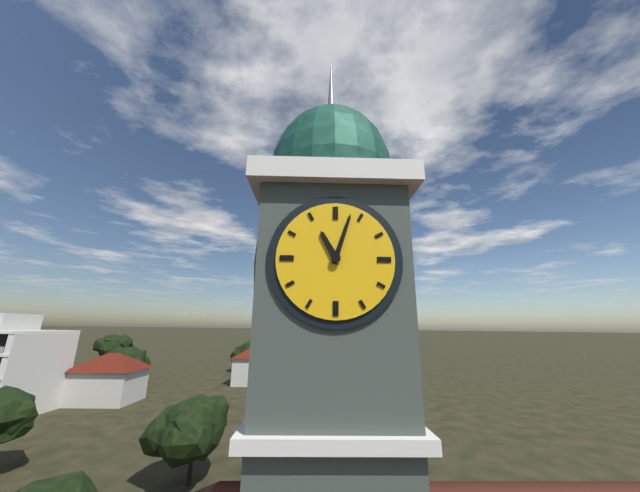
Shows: h=11 m=3
